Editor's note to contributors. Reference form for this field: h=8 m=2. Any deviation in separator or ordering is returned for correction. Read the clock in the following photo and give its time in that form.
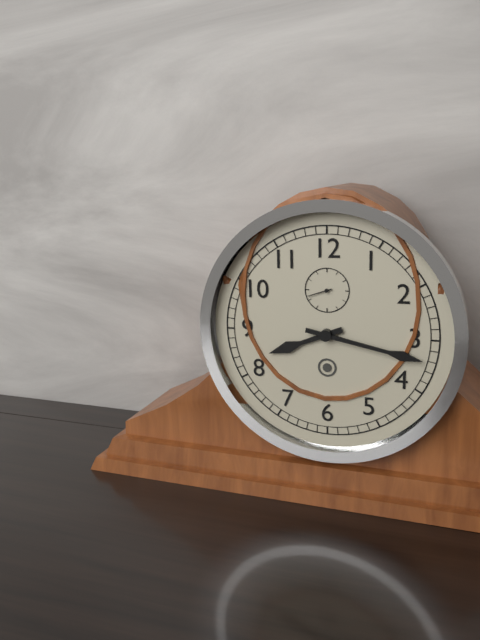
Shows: h=8 m=17
